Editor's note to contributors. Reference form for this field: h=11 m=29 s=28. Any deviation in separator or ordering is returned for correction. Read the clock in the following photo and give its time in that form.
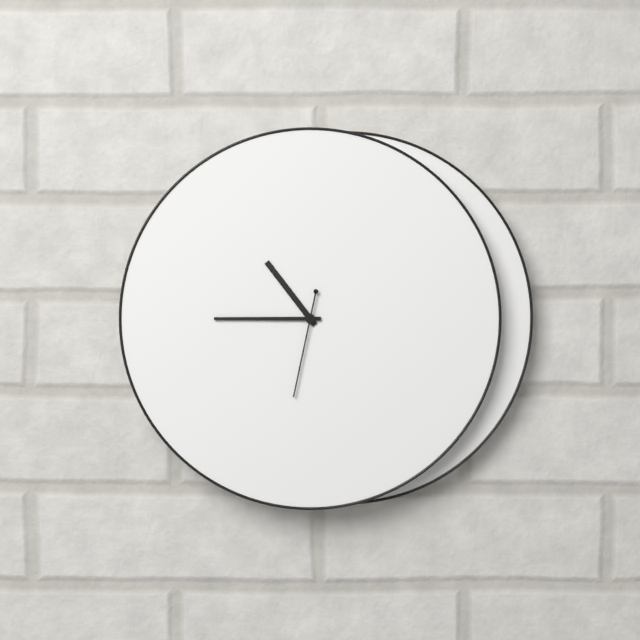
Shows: h=10 m=45 s=32
